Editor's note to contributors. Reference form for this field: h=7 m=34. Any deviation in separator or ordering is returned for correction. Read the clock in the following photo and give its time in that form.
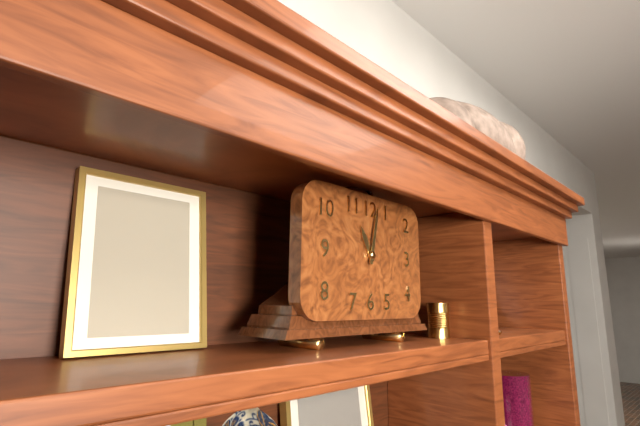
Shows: h=11 m=2
